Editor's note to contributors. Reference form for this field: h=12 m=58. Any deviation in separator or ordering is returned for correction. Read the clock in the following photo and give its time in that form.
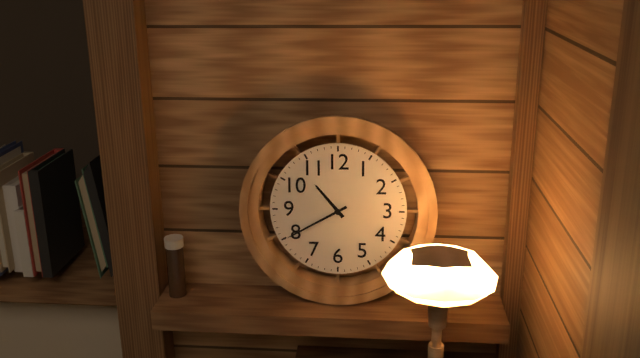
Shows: h=10 m=40
